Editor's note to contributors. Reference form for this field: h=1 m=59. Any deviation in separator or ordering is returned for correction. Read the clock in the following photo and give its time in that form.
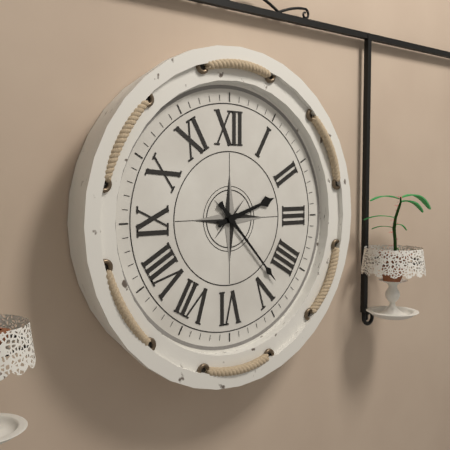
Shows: h=2 m=23
